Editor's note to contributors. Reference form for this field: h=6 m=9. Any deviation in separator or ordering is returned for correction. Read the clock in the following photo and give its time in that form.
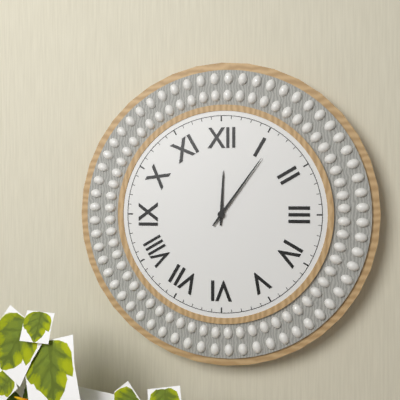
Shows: h=12 m=6
